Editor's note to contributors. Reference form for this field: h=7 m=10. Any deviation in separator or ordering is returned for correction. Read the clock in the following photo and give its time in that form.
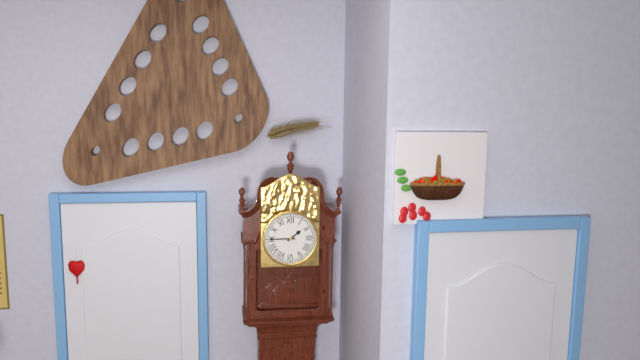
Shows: h=1 m=45
